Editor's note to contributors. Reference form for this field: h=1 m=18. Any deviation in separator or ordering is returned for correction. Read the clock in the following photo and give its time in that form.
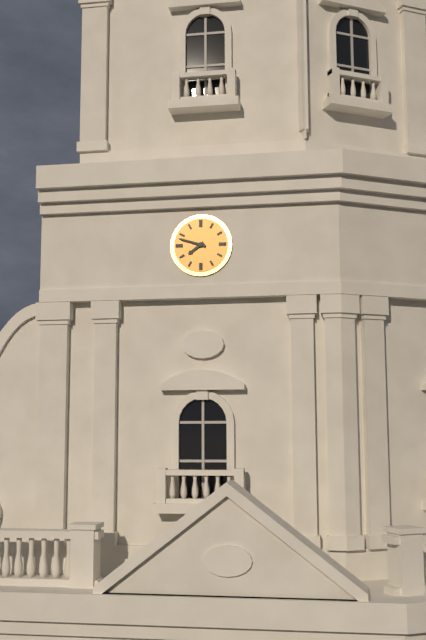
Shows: h=7 m=48
